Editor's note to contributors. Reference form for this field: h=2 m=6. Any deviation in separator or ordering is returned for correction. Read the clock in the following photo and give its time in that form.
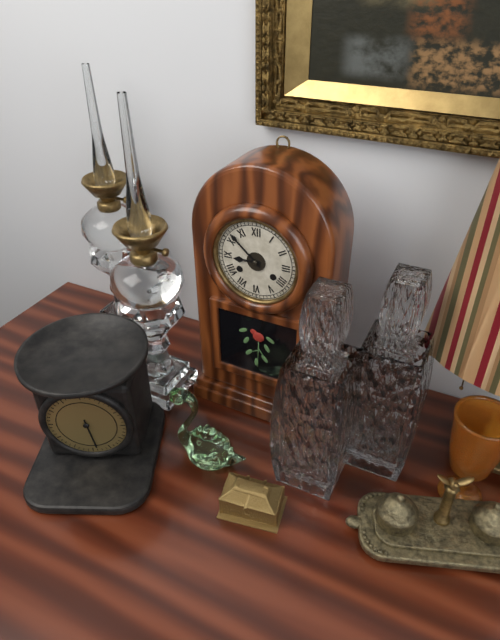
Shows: h=8 m=52
